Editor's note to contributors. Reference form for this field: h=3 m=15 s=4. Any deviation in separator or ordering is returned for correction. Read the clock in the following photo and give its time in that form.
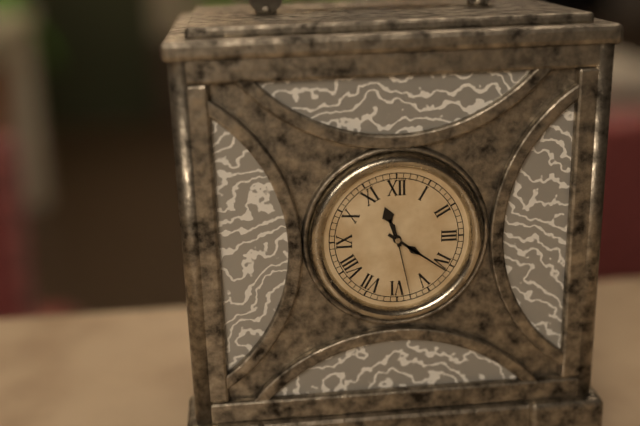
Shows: h=11 m=21 s=28
